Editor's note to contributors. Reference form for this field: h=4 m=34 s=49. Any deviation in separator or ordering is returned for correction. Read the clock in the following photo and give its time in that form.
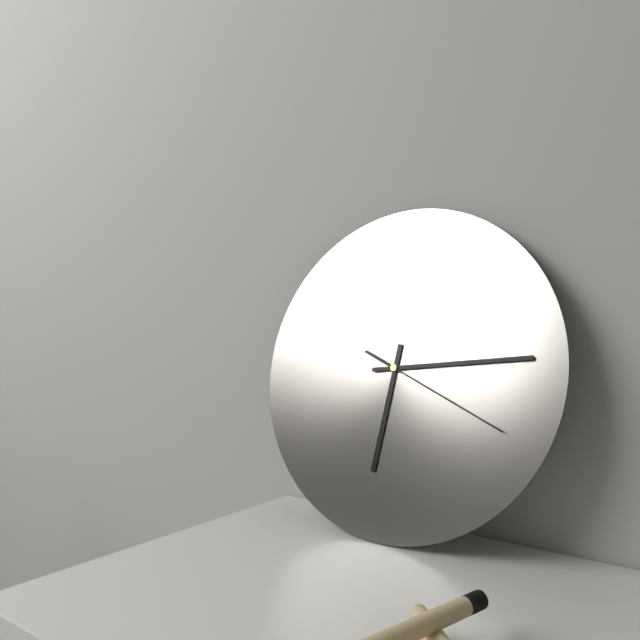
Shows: h=6 m=14 s=19
